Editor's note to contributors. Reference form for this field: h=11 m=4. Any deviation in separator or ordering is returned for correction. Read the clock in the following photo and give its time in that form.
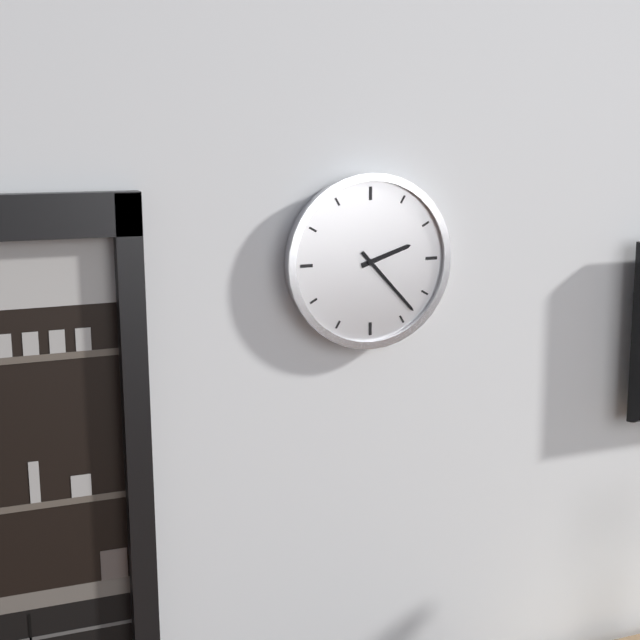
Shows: h=2 m=23
